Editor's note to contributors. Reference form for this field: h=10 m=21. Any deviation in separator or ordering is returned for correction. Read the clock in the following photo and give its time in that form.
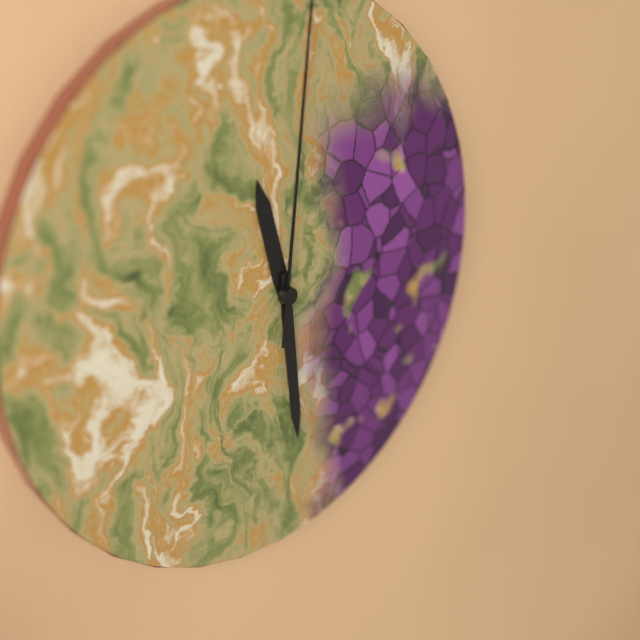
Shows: h=11 m=29
